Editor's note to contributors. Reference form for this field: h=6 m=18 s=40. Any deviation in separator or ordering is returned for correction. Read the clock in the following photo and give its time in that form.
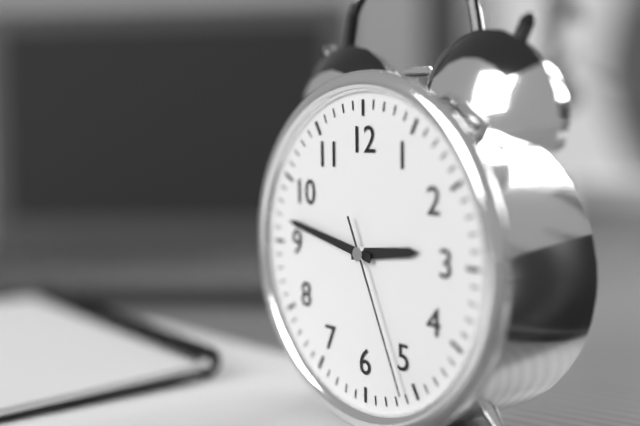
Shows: h=2 m=47 s=26
